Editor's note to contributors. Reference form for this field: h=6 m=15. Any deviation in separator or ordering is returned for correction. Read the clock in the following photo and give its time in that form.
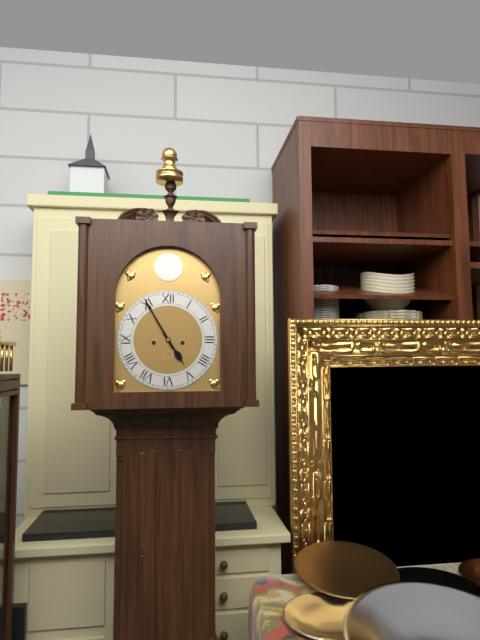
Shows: h=4 m=55
